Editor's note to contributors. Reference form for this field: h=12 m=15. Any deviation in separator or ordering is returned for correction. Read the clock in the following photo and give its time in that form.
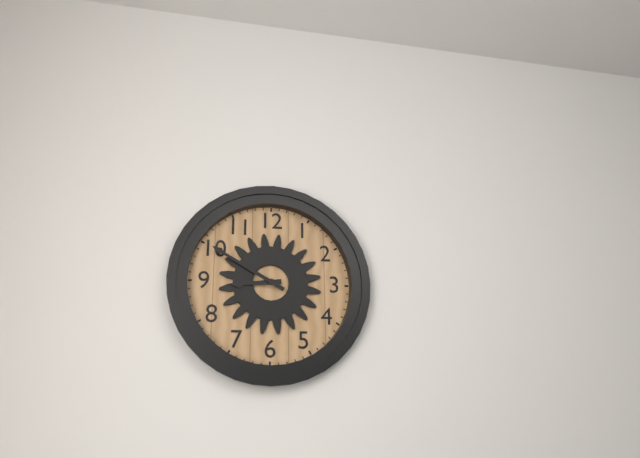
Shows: h=8 m=50
